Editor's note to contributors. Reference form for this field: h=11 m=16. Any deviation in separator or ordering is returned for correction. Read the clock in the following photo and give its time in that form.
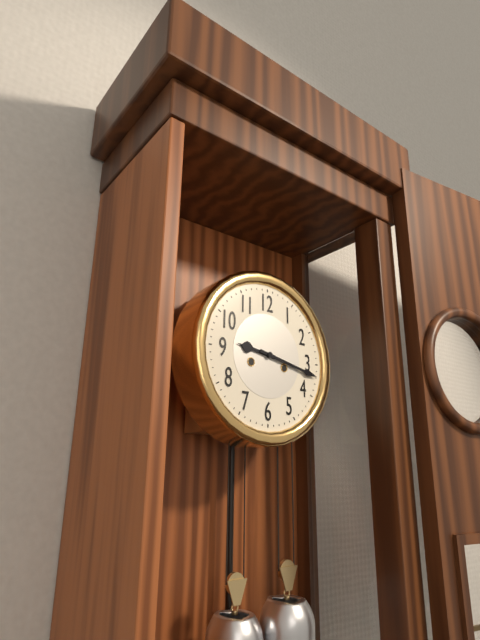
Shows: h=9 m=17
